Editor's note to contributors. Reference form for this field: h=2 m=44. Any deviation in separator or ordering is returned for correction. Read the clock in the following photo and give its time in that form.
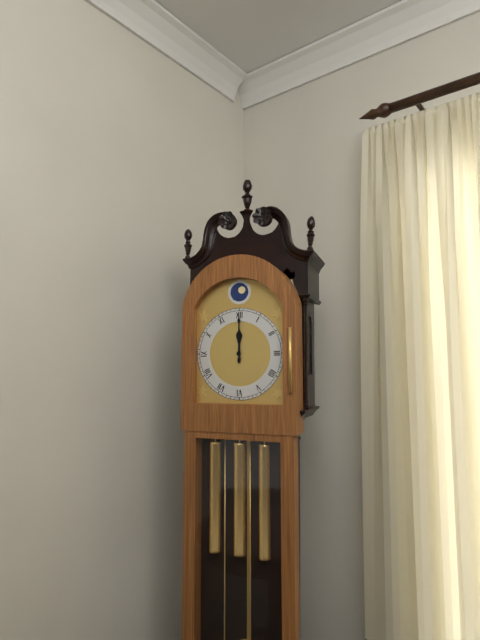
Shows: h=12 m=0
